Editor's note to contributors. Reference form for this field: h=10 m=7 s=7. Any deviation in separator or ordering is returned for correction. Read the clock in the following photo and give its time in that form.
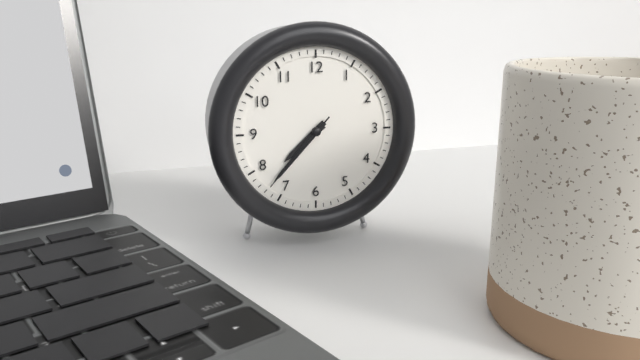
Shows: h=7 m=37 s=37
